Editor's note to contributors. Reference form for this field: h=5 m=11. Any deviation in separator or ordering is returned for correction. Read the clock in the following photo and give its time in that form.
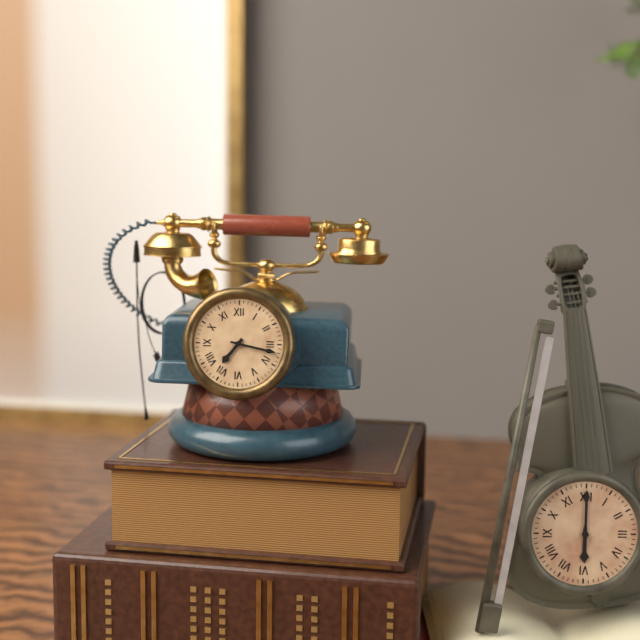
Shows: h=7 m=17
